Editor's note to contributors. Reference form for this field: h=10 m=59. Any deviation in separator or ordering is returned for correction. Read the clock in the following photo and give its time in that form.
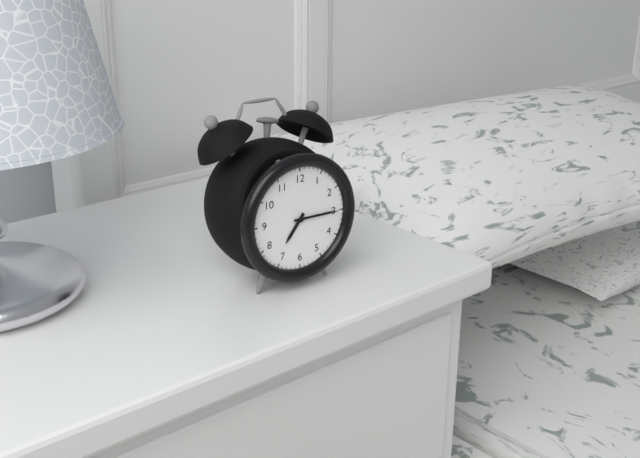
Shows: h=7 m=15
